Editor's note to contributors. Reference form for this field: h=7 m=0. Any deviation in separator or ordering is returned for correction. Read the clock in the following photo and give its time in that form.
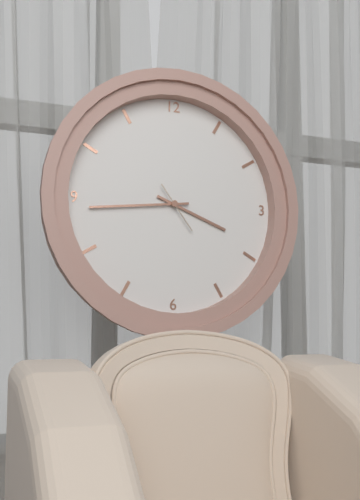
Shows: h=3 m=44
